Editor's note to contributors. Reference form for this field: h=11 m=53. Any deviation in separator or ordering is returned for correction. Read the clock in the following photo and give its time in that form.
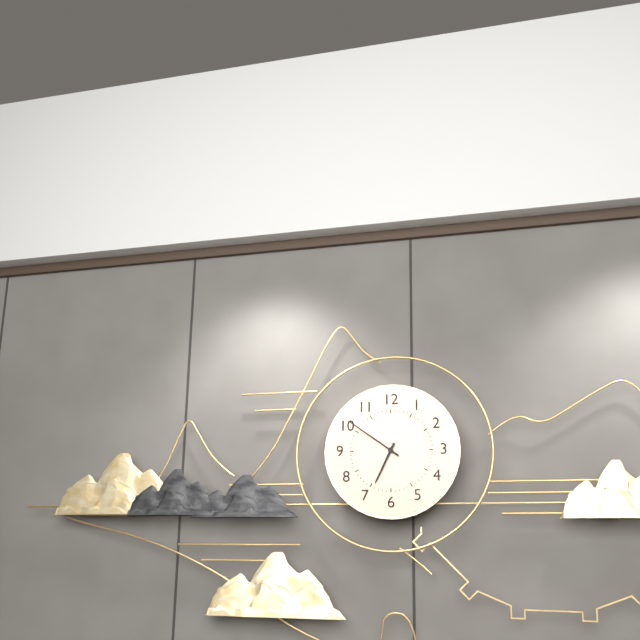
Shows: h=6 m=51
